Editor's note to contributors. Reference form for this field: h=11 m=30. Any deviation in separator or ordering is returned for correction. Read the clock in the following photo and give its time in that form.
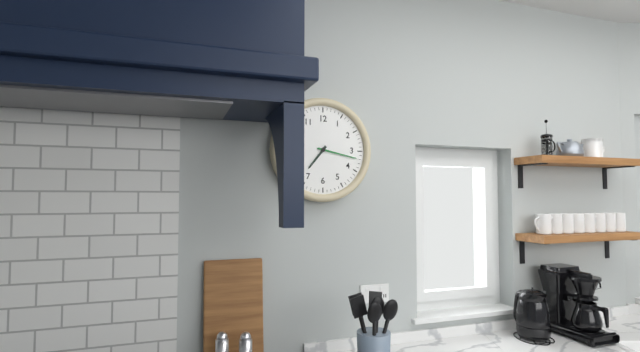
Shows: h=7 m=17
